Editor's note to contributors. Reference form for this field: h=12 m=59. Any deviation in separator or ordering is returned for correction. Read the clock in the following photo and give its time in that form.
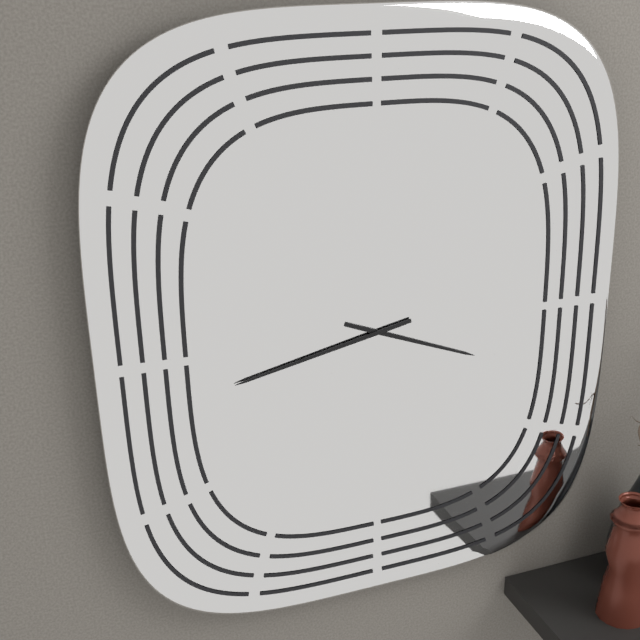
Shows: h=3 m=43
